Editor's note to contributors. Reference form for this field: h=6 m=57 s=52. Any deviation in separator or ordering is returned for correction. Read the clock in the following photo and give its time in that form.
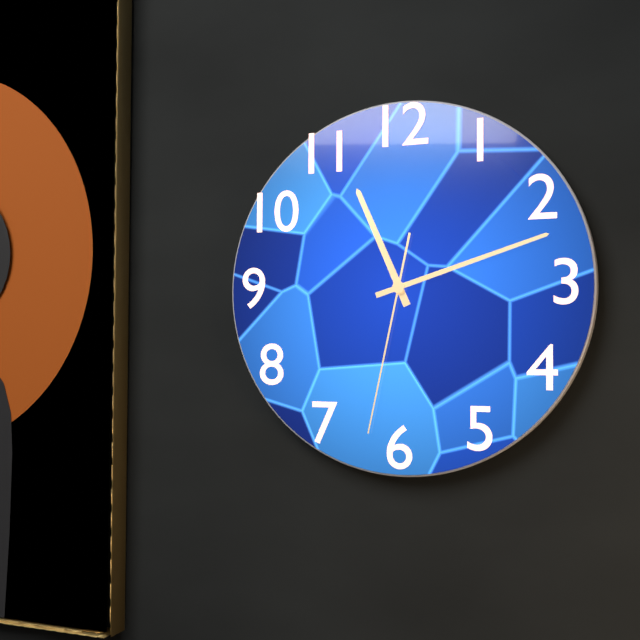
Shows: h=11 m=12 s=32
